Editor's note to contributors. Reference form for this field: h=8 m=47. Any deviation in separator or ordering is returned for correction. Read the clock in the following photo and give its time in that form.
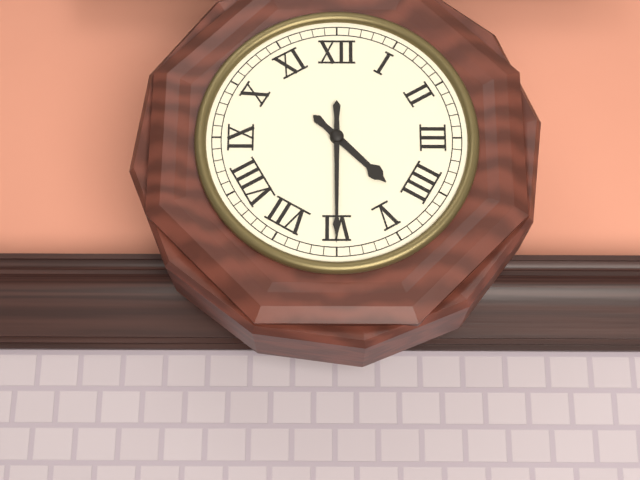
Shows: h=4 m=30
